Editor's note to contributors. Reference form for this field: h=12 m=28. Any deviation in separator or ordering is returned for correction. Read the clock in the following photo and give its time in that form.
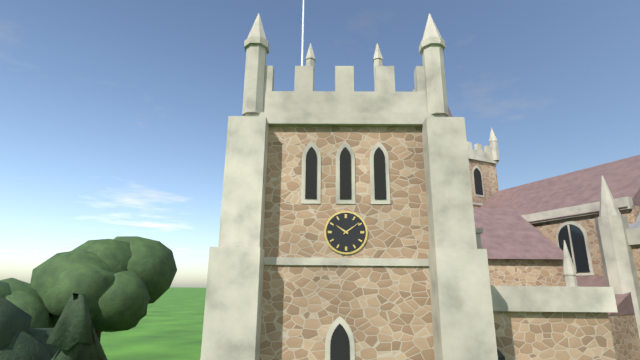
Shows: h=10 m=9
